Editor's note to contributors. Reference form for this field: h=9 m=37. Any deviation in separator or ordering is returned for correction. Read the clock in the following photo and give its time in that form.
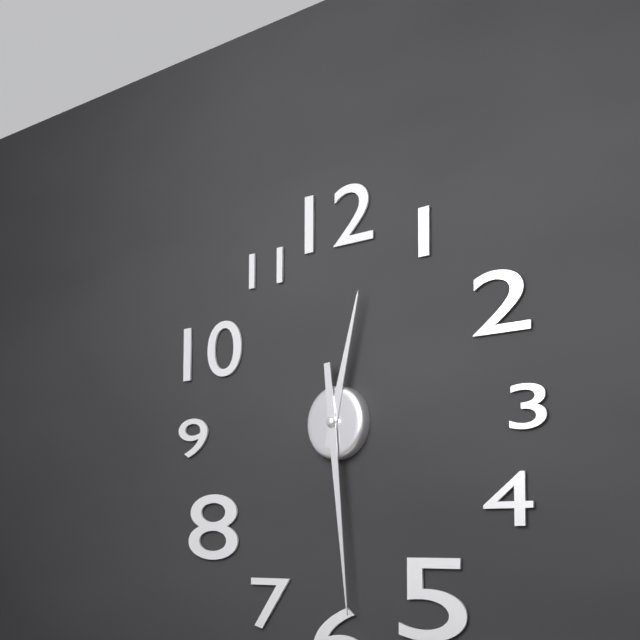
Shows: h=12 m=29
